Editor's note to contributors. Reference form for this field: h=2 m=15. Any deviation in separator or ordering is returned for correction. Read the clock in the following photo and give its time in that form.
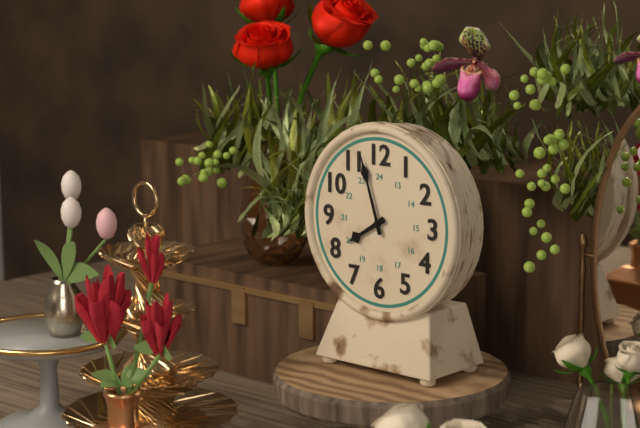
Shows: h=7 m=57
